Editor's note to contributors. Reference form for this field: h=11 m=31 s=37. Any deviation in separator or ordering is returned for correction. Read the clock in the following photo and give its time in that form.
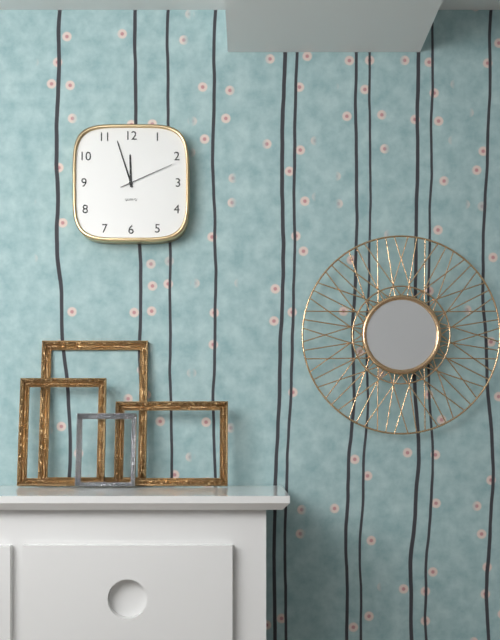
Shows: h=11 m=57 s=11
